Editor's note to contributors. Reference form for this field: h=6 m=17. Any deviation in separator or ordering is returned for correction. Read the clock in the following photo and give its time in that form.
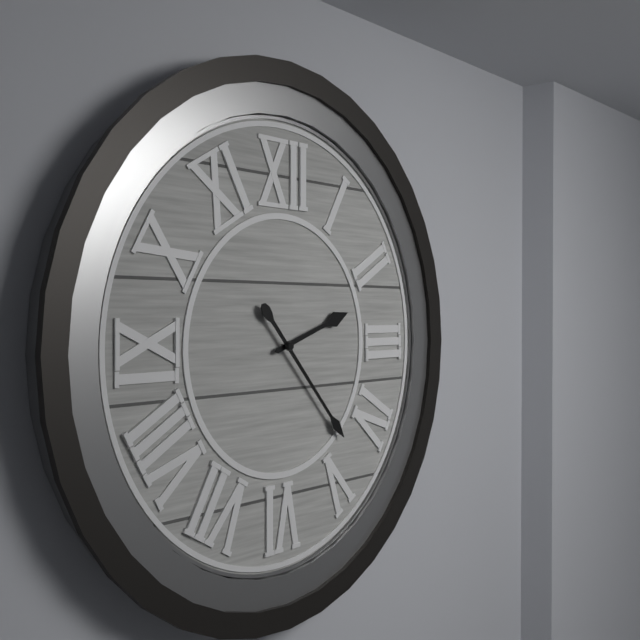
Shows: h=2 m=23
